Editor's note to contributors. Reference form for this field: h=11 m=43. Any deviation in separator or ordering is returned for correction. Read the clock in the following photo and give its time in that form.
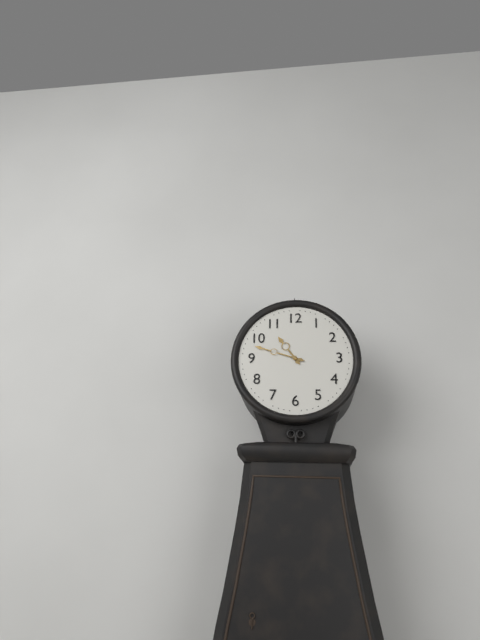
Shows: h=10 m=48
